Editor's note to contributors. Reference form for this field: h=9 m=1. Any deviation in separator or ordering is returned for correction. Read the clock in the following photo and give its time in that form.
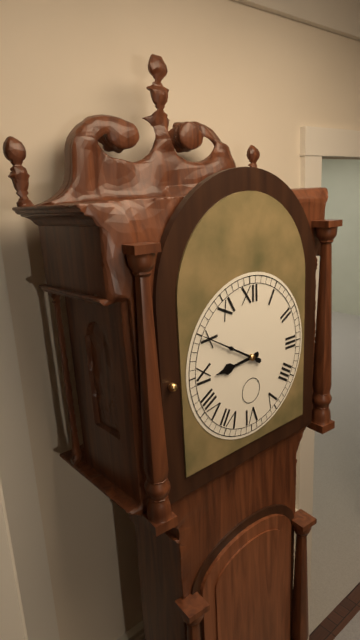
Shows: h=8 m=50
